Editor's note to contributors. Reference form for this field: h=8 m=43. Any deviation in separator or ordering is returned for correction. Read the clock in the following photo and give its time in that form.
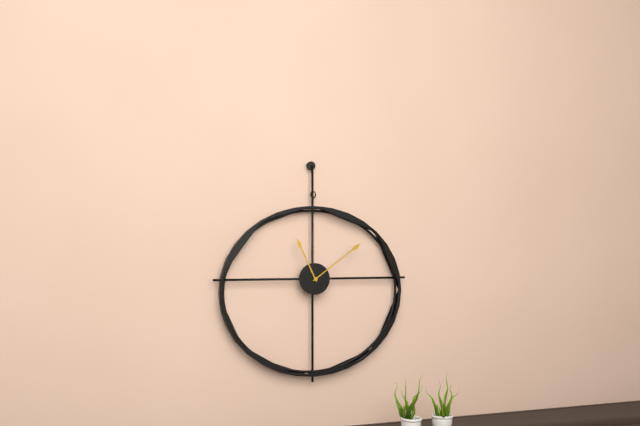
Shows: h=11 m=9
